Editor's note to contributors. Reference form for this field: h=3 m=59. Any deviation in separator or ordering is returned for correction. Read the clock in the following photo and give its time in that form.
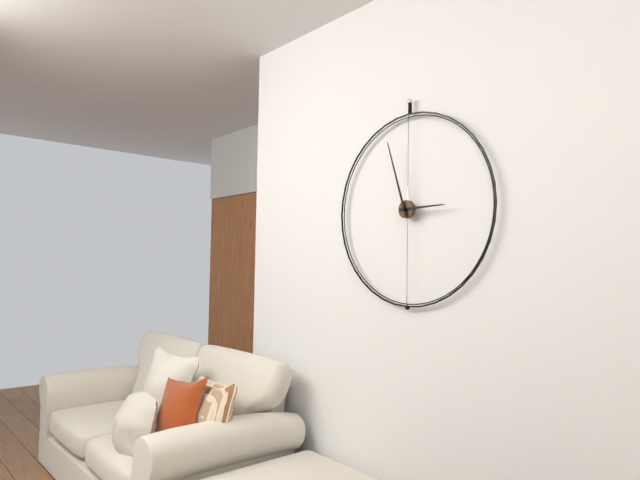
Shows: h=2 m=57
